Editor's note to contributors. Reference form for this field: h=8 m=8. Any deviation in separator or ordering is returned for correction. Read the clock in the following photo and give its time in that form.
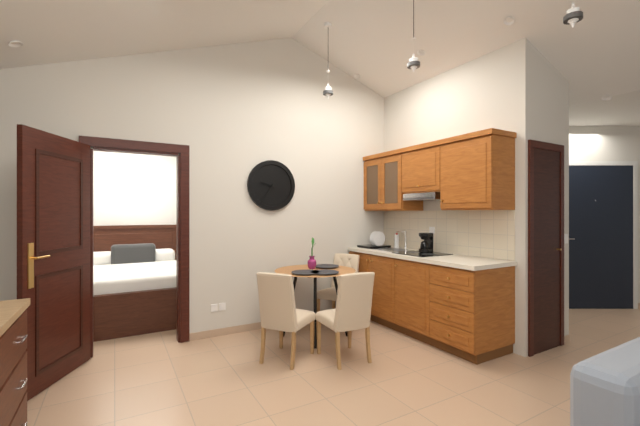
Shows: h=9 m=36
